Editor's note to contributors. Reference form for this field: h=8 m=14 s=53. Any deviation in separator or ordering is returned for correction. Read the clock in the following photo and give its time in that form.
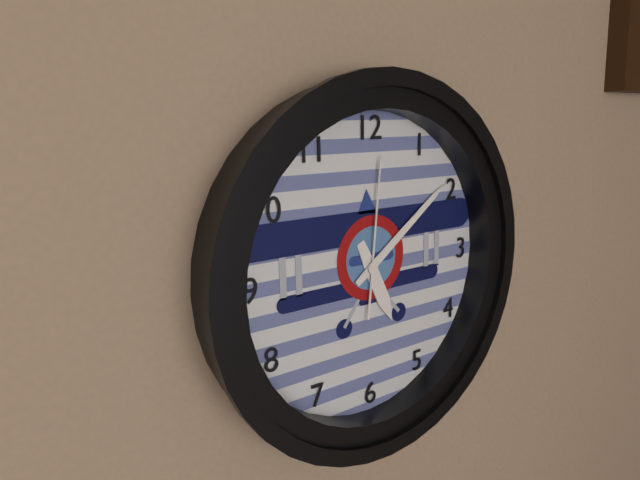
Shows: h=5 m=9 s=1
